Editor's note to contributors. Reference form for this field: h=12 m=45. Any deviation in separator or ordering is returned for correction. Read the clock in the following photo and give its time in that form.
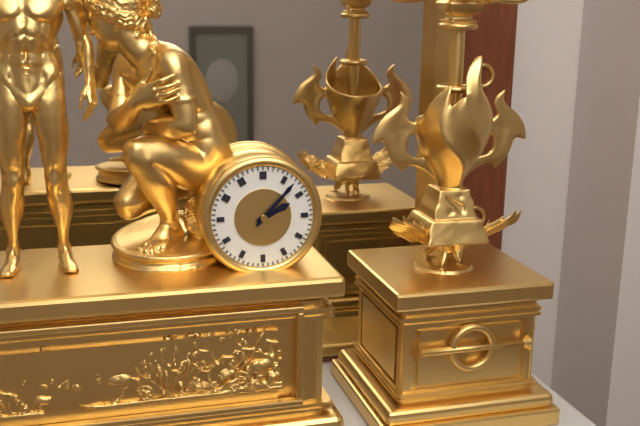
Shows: h=2 m=7
